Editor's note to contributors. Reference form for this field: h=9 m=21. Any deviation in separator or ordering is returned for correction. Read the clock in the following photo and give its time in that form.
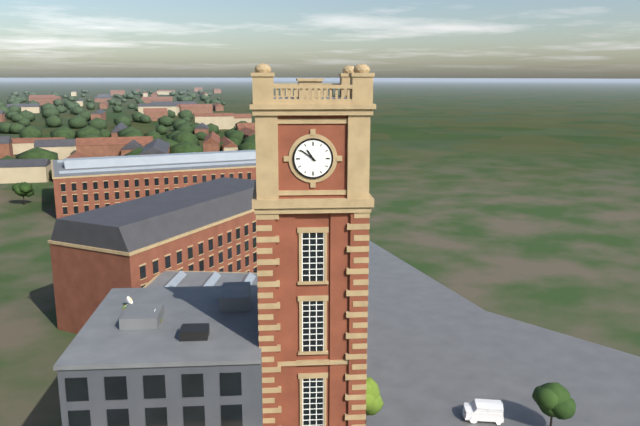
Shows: h=10 m=51
